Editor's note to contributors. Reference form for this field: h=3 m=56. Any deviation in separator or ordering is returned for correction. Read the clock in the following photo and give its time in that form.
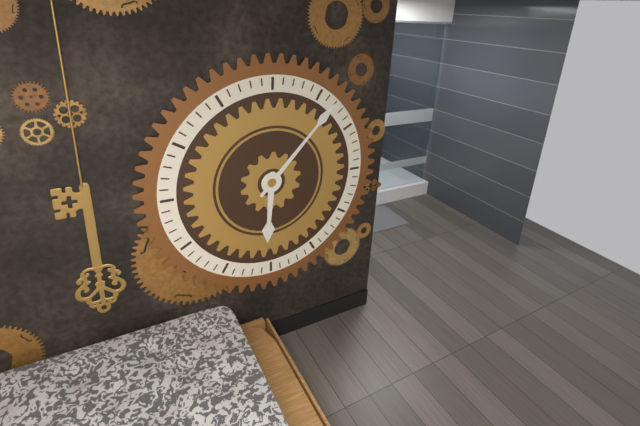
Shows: h=6 m=7
